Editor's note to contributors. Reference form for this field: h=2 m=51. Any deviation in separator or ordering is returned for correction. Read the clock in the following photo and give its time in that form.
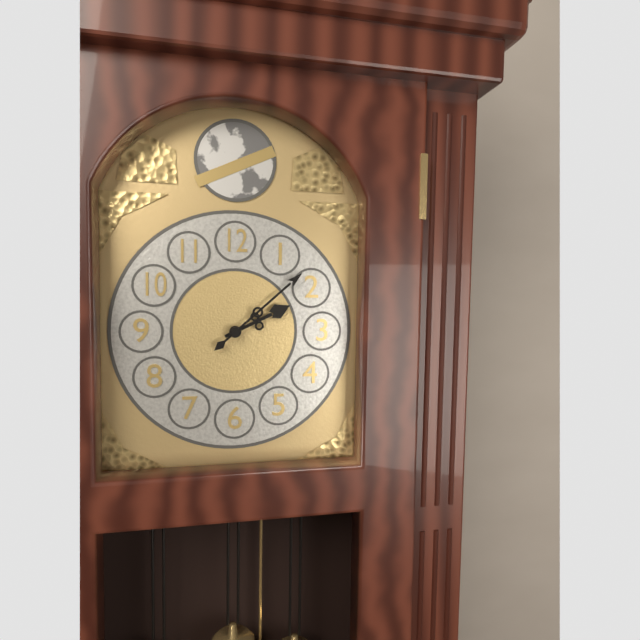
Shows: h=2 m=8
